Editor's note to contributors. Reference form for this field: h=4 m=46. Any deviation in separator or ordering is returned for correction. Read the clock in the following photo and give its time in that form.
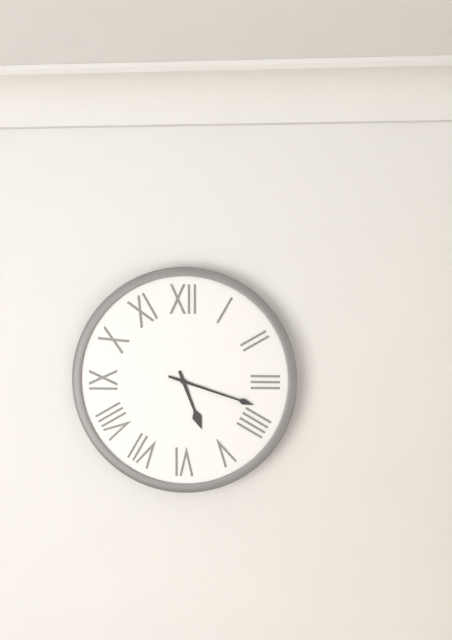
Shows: h=5 m=18
